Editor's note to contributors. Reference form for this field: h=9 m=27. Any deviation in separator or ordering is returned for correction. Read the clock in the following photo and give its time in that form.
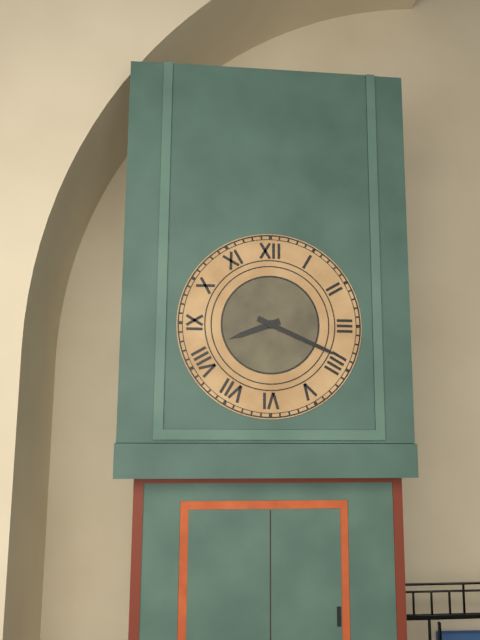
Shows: h=8 m=19
